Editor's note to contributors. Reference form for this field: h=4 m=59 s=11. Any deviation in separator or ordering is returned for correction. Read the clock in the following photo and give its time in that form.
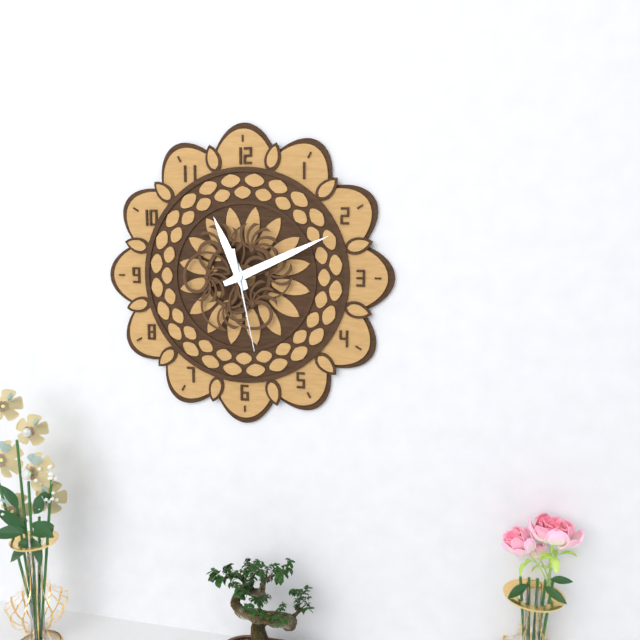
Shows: h=11 m=11 s=28
